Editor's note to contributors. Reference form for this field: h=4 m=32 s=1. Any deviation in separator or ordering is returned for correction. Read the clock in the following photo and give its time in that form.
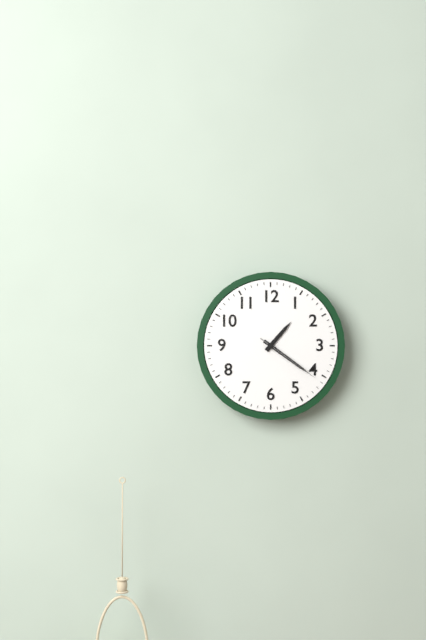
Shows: h=1 m=21 s=21
